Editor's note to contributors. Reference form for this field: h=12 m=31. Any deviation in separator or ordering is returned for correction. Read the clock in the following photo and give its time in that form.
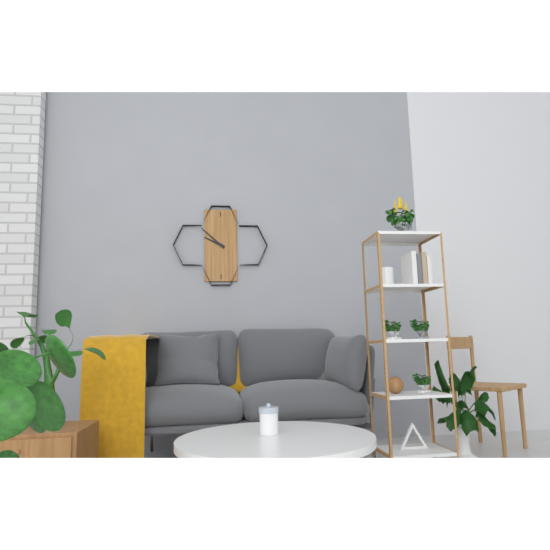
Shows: h=9 m=52
